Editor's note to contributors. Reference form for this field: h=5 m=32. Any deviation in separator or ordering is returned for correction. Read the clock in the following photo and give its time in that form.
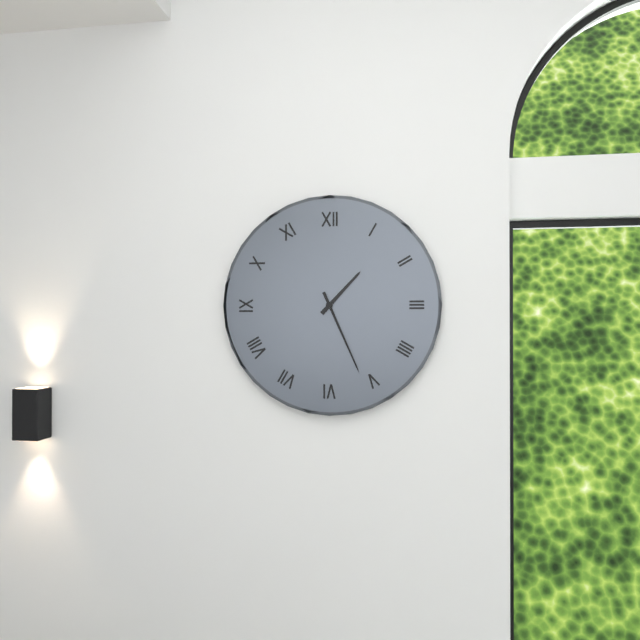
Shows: h=1 m=26
